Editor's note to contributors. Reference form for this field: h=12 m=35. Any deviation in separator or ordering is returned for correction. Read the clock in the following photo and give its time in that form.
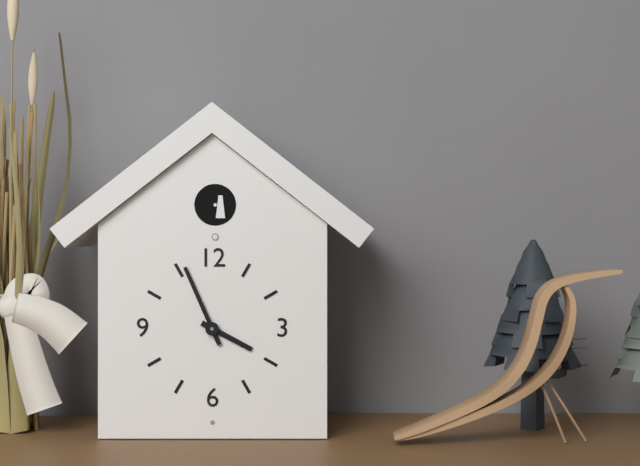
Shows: h=3 m=56
